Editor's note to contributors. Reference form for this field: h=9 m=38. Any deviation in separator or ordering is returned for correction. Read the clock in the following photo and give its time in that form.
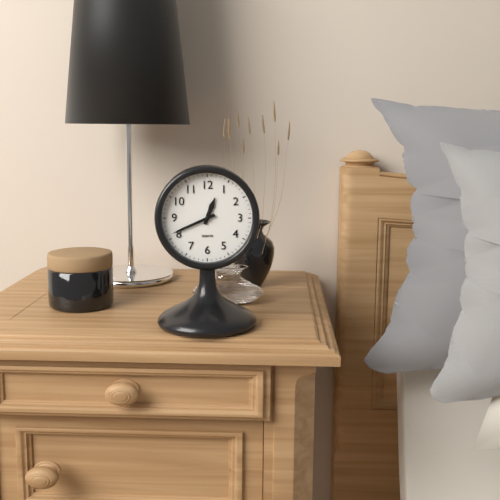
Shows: h=12 m=41
